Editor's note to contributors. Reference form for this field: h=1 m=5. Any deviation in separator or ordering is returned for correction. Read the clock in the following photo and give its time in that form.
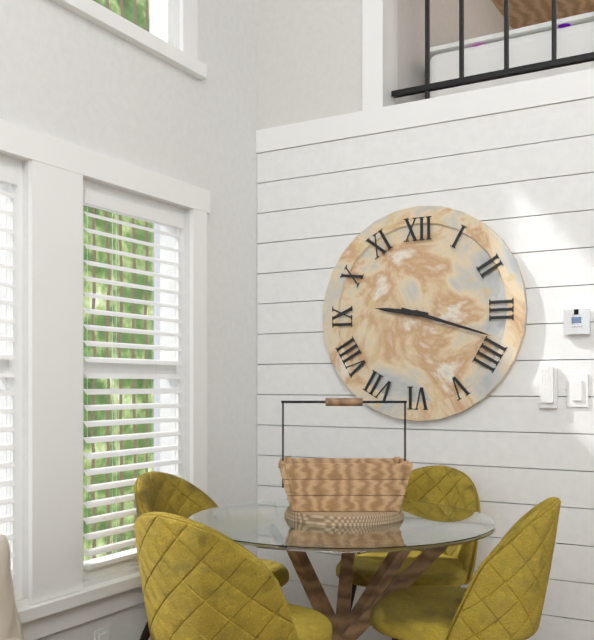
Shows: h=9 m=18
